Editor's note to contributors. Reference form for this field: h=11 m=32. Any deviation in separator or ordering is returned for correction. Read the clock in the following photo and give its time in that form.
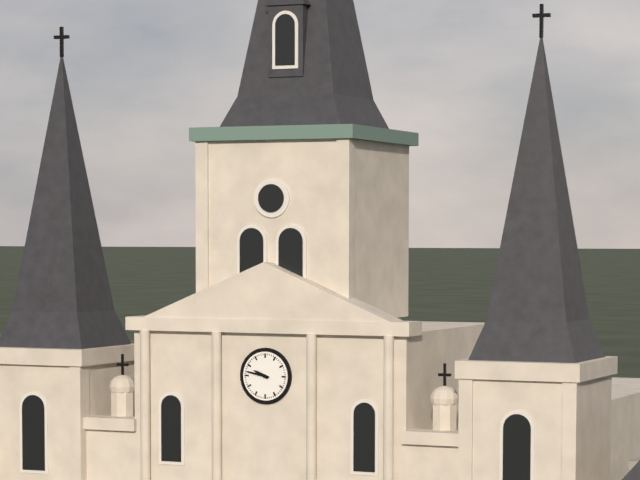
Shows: h=9 m=47
